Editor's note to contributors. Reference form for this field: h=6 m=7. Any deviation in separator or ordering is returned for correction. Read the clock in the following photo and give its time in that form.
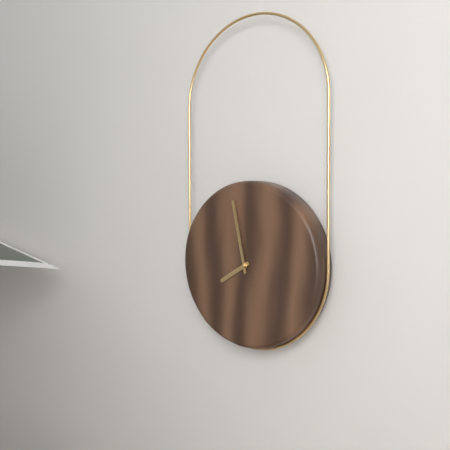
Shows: h=7 m=58
